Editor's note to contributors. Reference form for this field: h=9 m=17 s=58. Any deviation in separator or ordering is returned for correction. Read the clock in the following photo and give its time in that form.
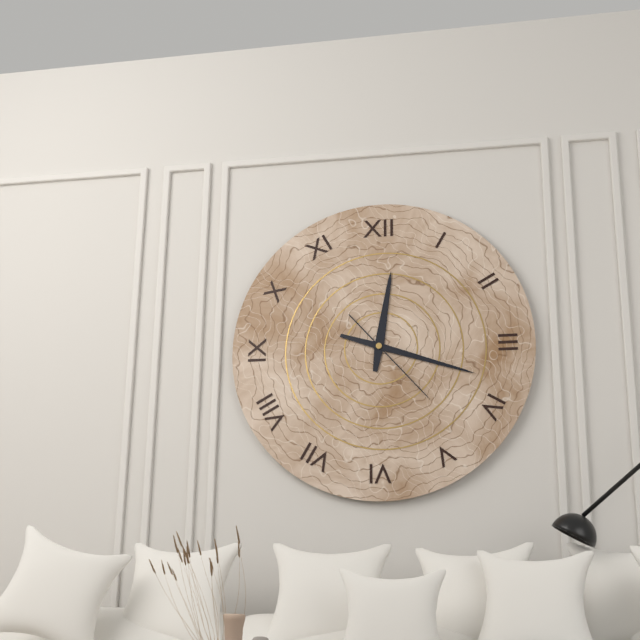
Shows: h=12 m=18 s=23
